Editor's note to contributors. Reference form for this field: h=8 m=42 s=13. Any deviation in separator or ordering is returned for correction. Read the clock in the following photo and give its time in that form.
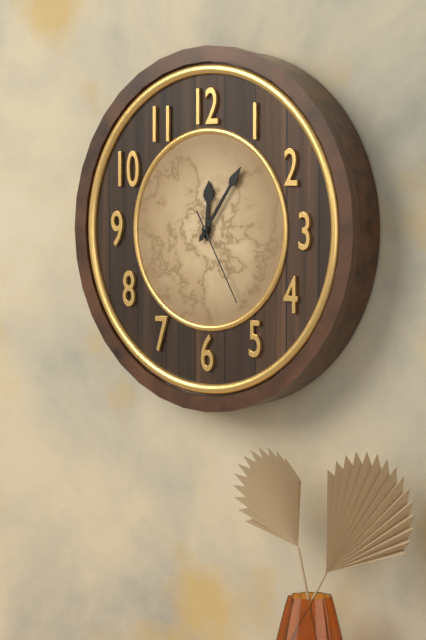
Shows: h=12 m=6 s=25
